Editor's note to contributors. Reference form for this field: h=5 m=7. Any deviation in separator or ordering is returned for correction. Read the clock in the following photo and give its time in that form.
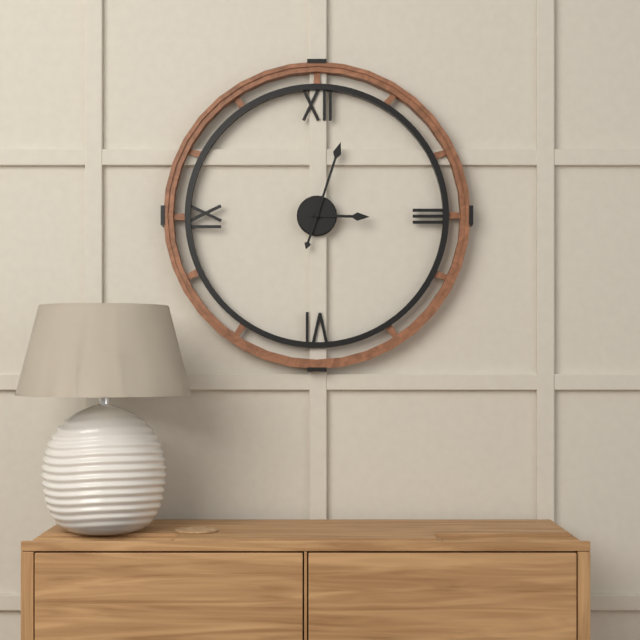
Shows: h=3 m=3
